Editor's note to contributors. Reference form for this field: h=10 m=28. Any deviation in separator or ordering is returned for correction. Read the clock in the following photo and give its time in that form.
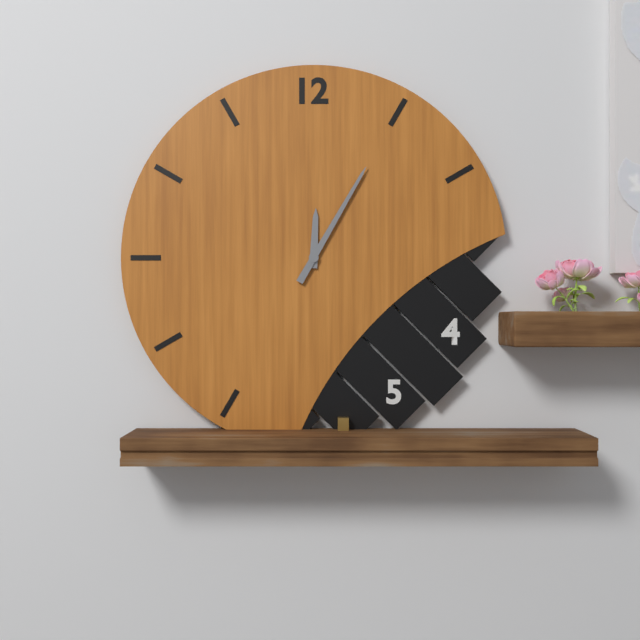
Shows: h=12 m=5
